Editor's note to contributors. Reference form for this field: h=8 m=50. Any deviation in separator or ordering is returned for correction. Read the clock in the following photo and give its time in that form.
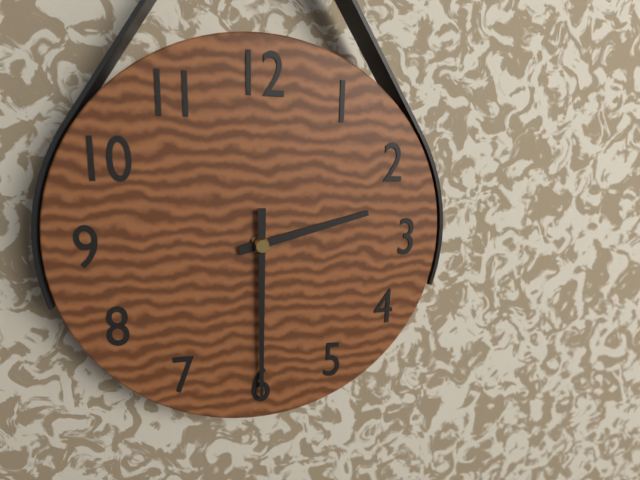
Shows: h=2 m=30
